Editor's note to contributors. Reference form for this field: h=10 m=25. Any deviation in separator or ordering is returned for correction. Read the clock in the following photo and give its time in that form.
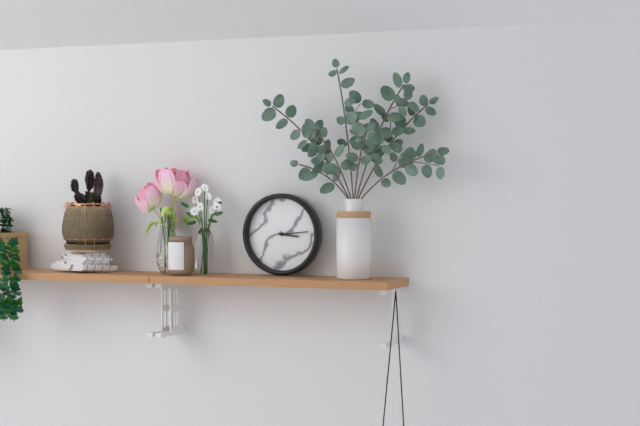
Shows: h=3 m=14
